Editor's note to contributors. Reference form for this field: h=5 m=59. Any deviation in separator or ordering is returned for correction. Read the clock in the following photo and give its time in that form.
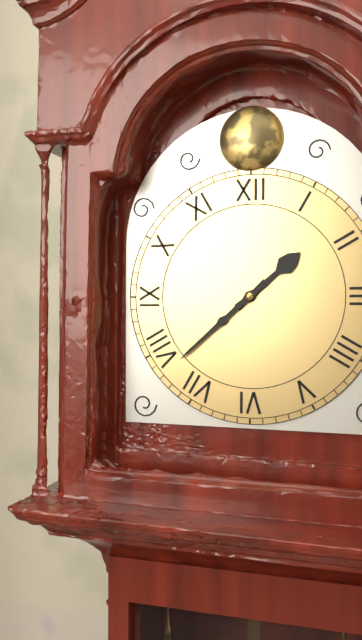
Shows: h=1 m=38
